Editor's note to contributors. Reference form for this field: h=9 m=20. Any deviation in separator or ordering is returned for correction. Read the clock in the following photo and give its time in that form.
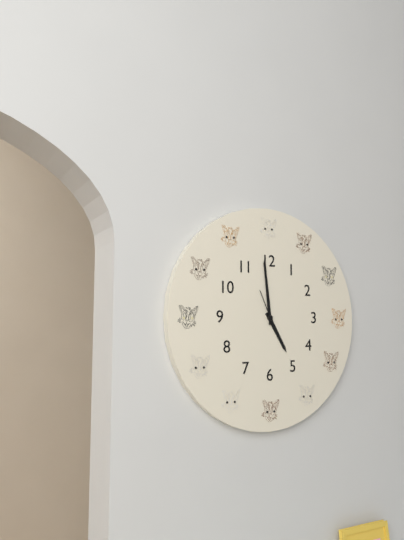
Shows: h=4 m=59
